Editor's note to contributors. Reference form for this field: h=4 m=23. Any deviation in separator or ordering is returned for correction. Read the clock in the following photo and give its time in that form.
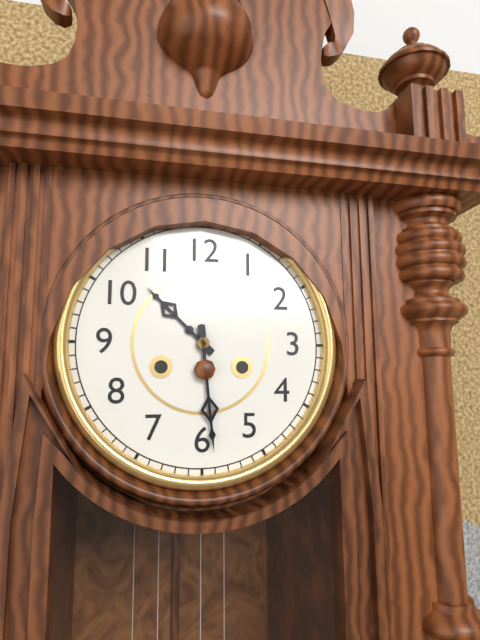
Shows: h=10 m=29
